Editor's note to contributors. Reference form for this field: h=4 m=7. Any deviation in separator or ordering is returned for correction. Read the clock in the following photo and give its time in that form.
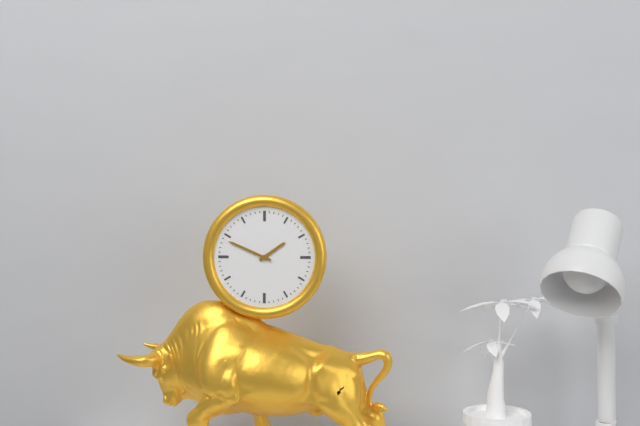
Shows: h=1 m=49
